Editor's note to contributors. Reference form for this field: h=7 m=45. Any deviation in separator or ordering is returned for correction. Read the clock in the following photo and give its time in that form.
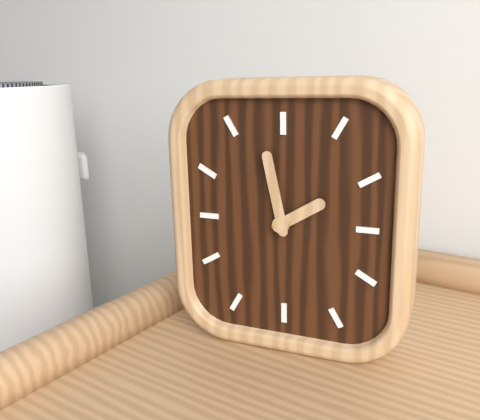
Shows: h=1 m=58
